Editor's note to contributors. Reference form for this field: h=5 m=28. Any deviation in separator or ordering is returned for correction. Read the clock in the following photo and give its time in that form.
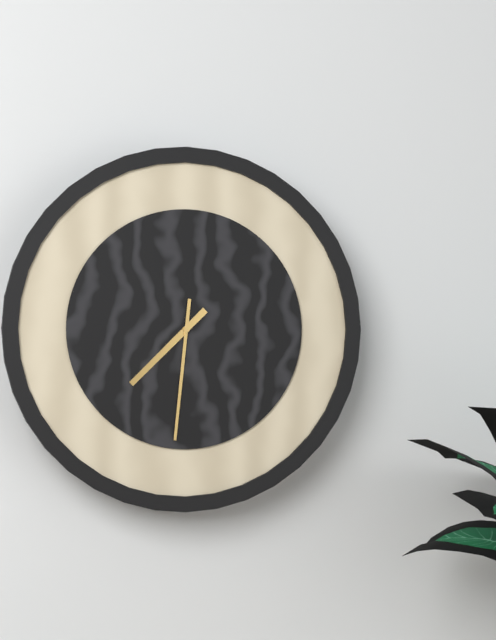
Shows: h=7 m=31
